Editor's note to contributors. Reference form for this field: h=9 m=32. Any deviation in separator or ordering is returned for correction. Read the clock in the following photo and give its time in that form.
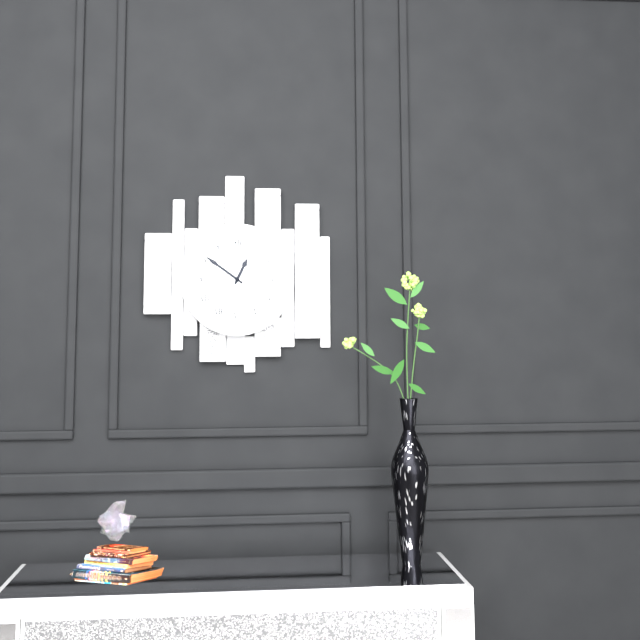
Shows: h=12 m=51
